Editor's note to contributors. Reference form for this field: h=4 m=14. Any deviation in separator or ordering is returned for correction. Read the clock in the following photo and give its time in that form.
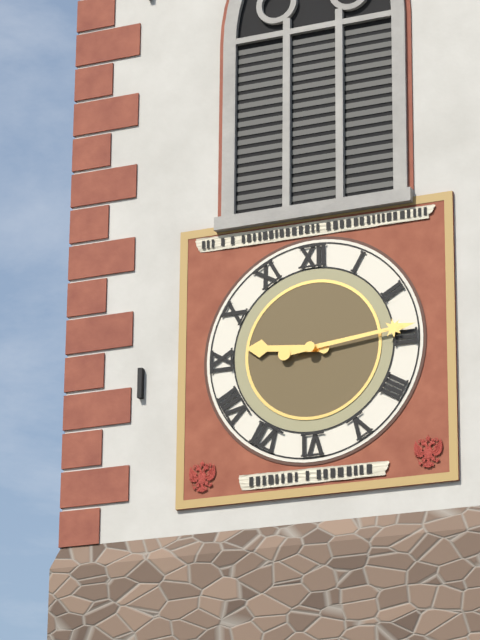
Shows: h=9 m=14
